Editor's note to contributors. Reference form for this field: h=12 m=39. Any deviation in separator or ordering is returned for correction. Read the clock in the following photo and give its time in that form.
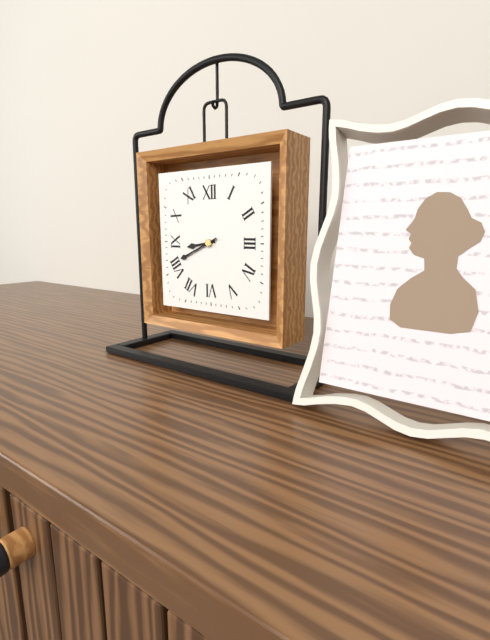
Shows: h=8 m=41
